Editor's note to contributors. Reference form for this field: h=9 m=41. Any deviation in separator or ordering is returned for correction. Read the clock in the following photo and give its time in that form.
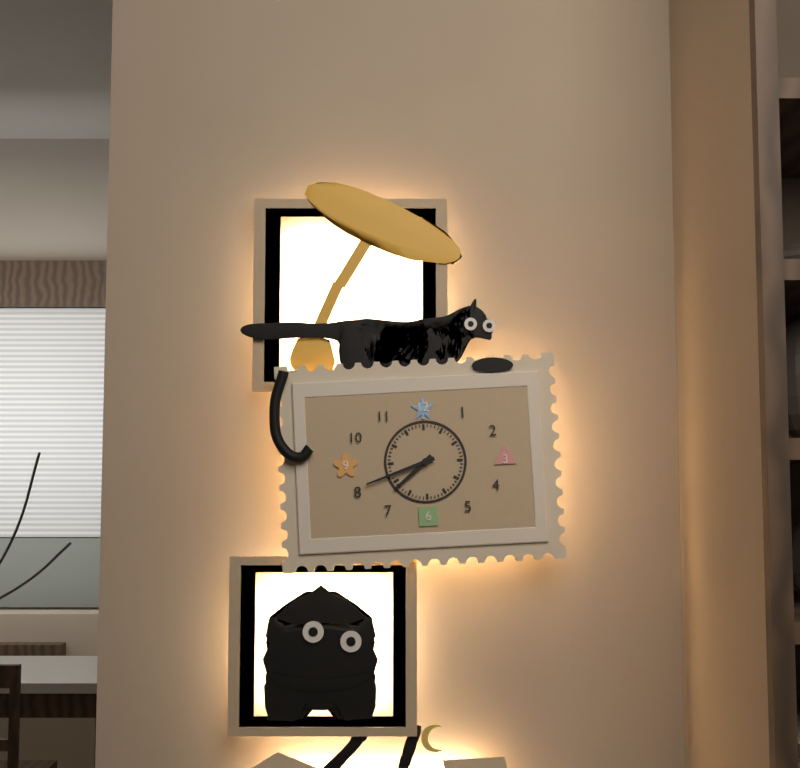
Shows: h=7 m=42
